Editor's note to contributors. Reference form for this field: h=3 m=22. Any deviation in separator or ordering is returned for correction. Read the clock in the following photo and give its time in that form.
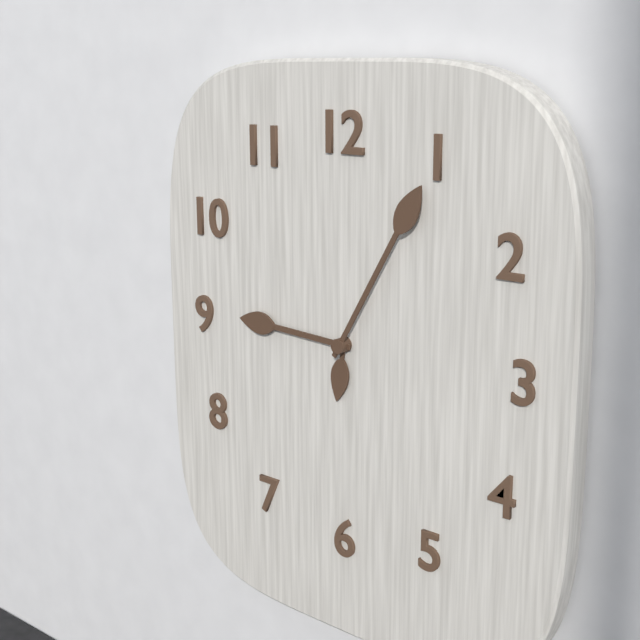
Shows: h=9 m=5
